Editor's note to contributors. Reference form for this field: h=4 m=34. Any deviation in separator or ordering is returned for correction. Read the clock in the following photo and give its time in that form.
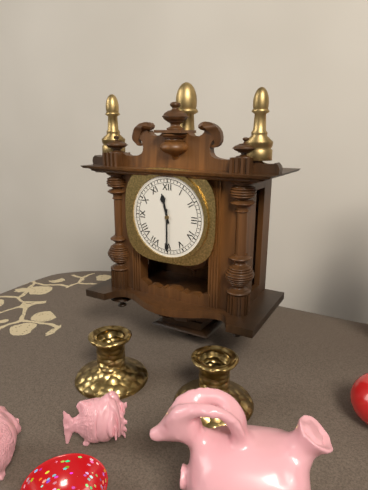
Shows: h=11 m=30
